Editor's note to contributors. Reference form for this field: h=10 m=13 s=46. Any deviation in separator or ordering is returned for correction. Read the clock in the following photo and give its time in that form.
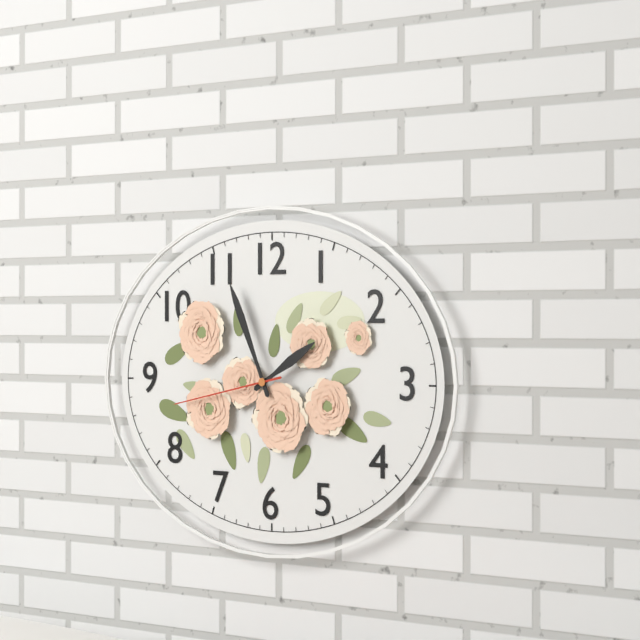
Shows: h=1 m=56 s=43
